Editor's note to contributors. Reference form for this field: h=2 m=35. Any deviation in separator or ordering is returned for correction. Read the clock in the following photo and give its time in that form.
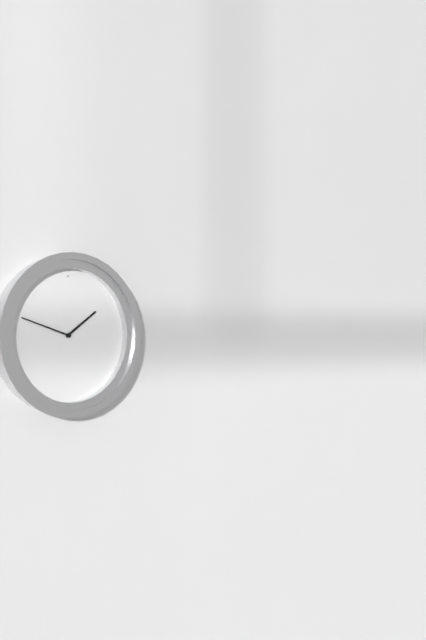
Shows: h=1 m=48
